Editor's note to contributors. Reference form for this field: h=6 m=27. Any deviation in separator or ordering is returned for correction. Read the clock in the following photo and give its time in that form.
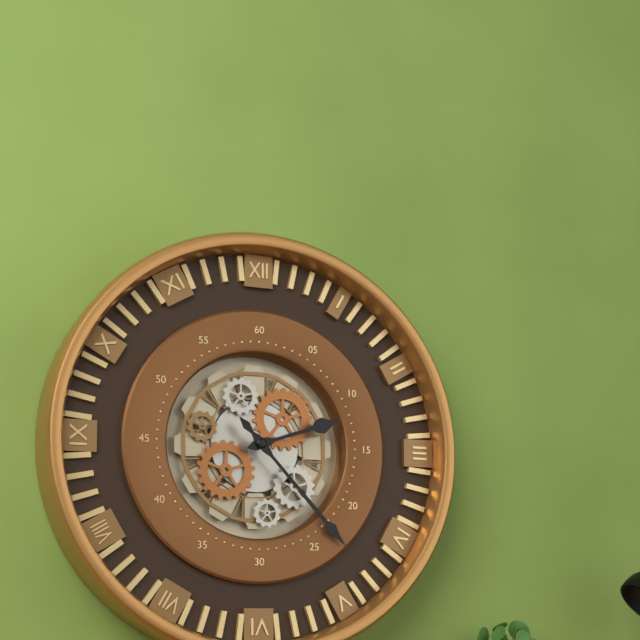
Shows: h=2 m=23
